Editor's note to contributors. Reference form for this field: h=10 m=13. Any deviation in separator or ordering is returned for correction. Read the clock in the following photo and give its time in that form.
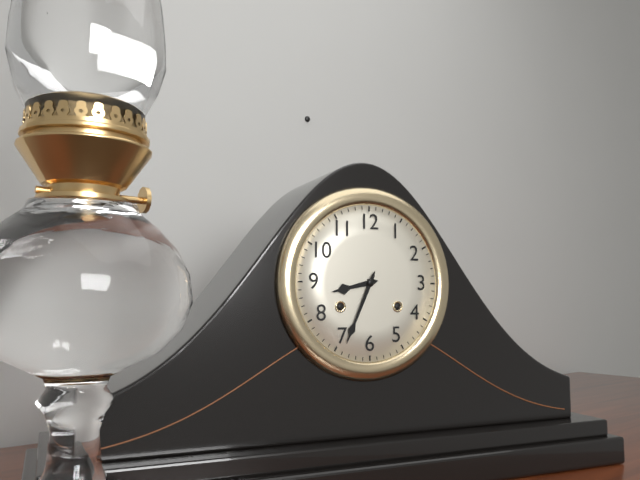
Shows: h=8 m=34
